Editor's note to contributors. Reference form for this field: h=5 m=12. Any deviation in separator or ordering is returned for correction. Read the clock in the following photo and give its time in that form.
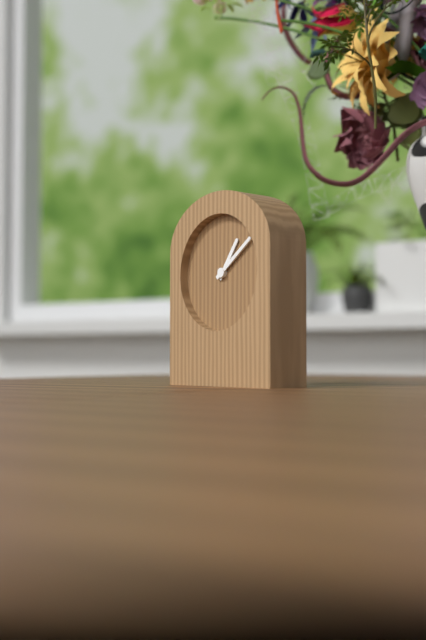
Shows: h=1 m=9
